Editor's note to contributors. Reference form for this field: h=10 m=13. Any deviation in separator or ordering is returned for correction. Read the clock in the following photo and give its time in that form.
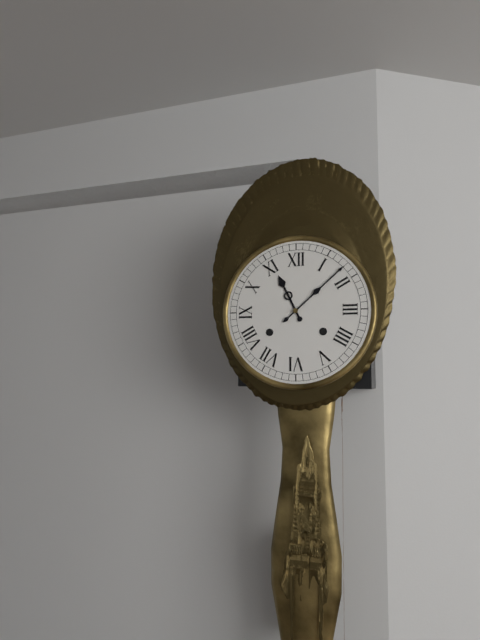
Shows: h=11 m=8
